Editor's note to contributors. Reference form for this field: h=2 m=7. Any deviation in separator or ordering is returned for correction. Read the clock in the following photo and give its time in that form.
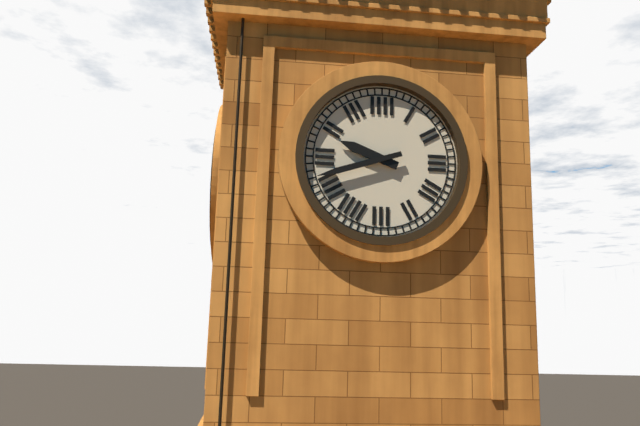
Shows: h=9 m=42
